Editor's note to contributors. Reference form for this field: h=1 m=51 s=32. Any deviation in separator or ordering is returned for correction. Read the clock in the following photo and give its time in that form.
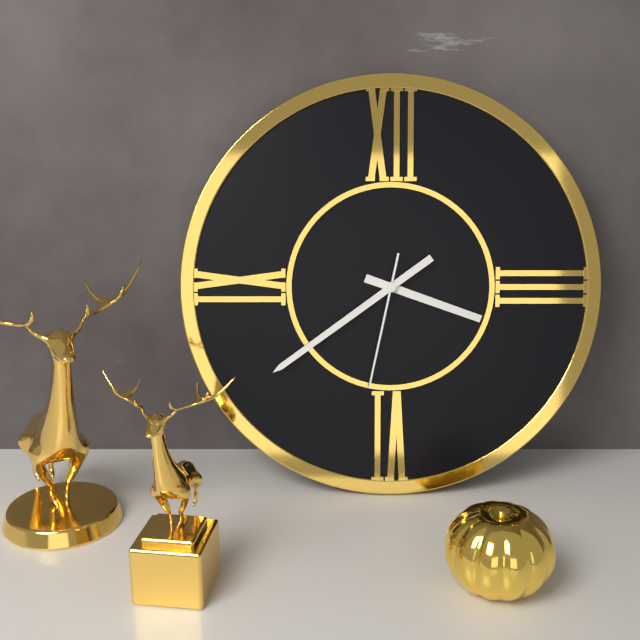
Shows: h=3 m=39 s=32
